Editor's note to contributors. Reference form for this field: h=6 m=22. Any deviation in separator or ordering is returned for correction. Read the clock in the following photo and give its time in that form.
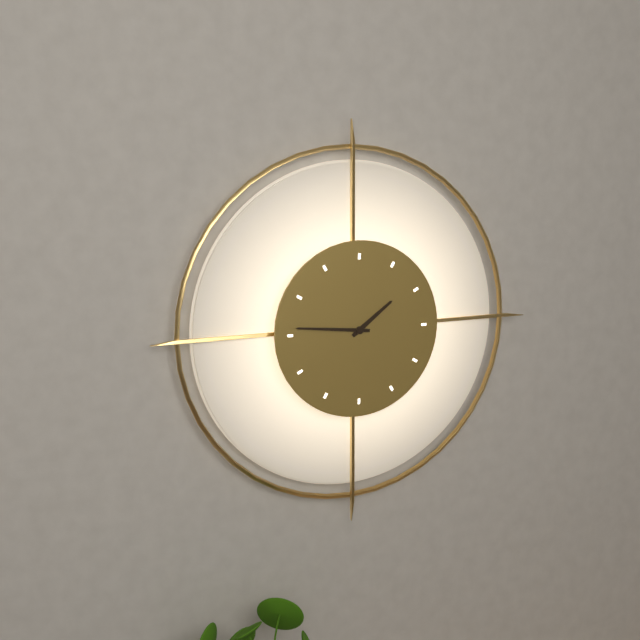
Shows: h=1 m=46
